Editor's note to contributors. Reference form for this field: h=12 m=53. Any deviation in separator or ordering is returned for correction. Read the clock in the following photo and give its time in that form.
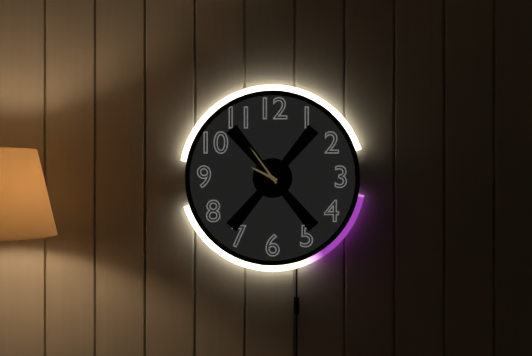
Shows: h=9 m=54
